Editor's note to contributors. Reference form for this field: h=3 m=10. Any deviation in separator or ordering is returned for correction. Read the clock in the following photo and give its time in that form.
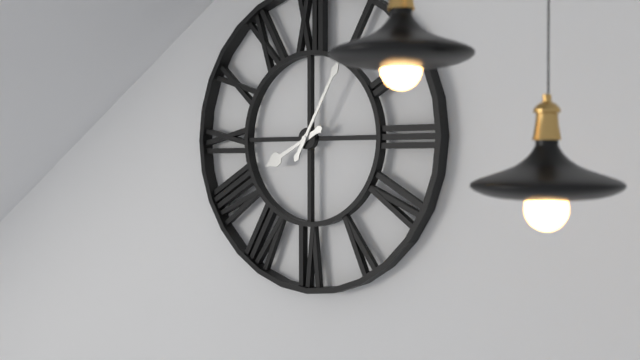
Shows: h=8 m=5
